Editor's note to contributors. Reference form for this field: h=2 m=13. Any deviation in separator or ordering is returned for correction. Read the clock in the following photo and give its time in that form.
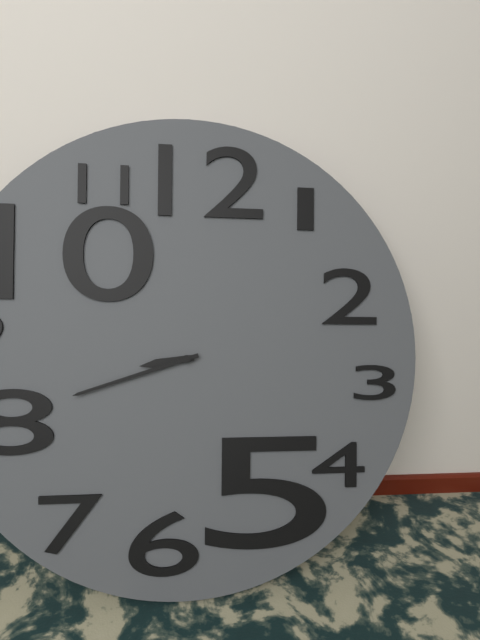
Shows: h=8 m=42
